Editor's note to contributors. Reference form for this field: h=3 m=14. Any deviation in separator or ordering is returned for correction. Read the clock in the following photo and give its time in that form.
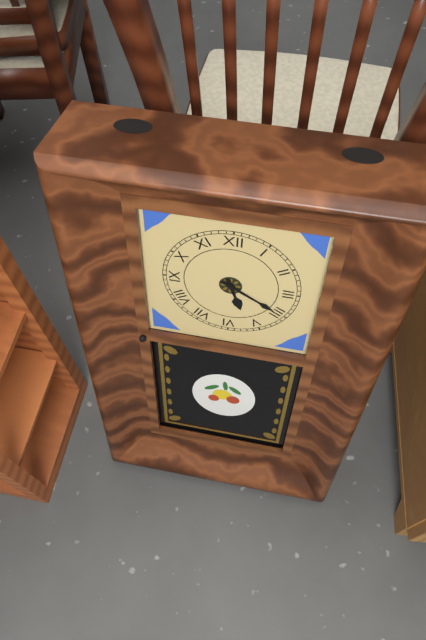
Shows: h=5 m=20
